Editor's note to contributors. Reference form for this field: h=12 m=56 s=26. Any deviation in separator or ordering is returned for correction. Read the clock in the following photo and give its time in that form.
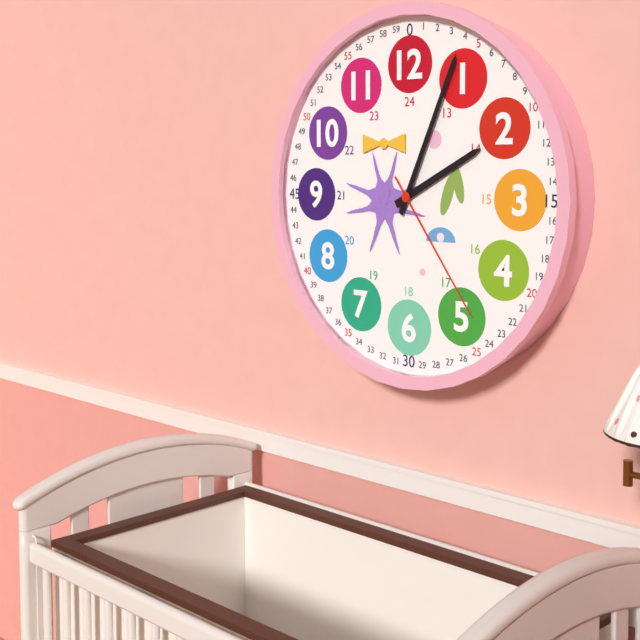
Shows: h=2 m=4 s=24
